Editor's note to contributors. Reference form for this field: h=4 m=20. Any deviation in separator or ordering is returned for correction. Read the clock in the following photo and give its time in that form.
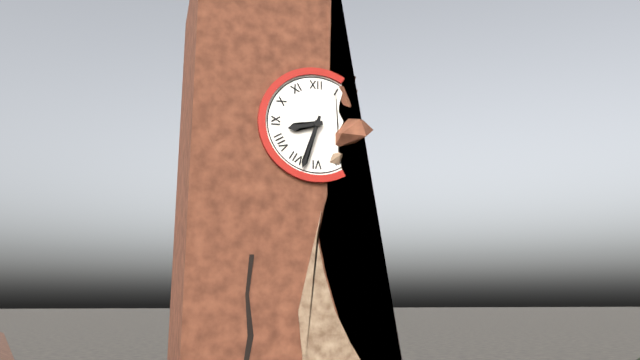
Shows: h=8 m=33
